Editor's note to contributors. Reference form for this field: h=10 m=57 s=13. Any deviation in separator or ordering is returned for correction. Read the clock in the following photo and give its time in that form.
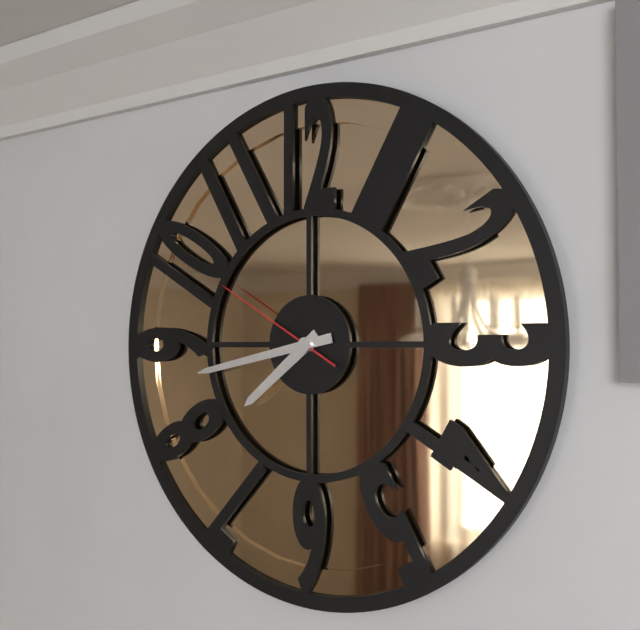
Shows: h=7 m=43 s=50
